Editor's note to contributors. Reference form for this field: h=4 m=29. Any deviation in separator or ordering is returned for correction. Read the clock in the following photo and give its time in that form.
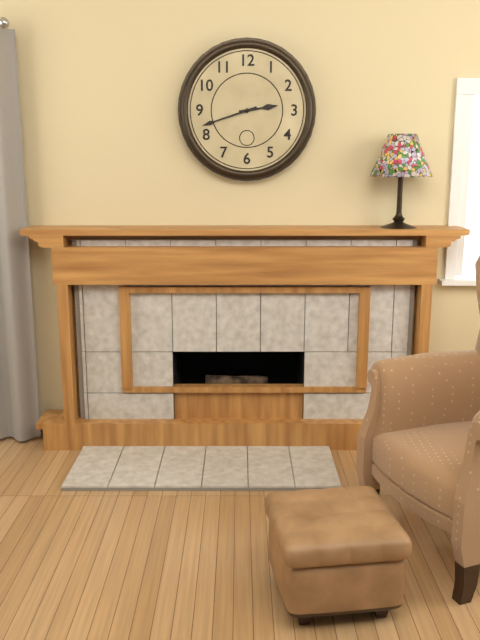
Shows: h=2 m=42
